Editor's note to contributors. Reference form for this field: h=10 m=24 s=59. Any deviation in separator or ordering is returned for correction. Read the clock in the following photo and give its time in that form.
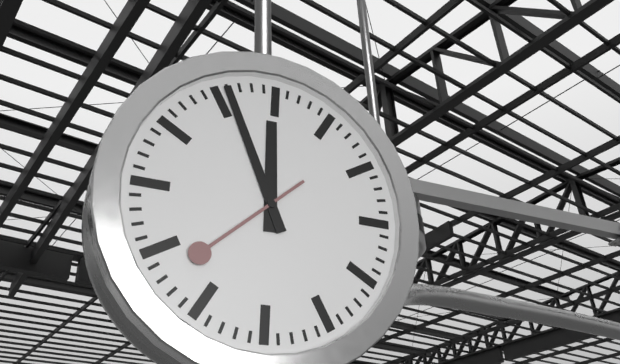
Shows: h=11 m=56 s=38
